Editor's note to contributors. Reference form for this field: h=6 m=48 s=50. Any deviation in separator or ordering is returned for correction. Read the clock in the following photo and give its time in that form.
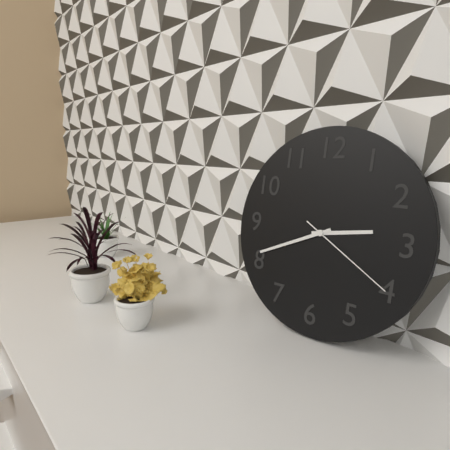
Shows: h=2 m=41 s=20
